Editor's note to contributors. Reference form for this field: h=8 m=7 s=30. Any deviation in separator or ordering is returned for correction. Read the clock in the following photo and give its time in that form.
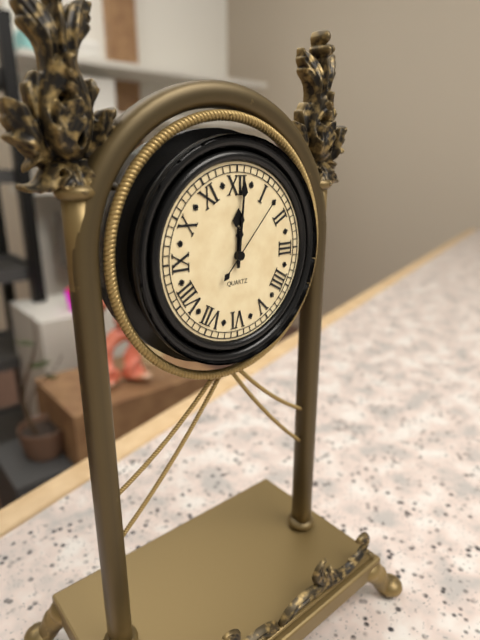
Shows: h=12 m=1 s=7
